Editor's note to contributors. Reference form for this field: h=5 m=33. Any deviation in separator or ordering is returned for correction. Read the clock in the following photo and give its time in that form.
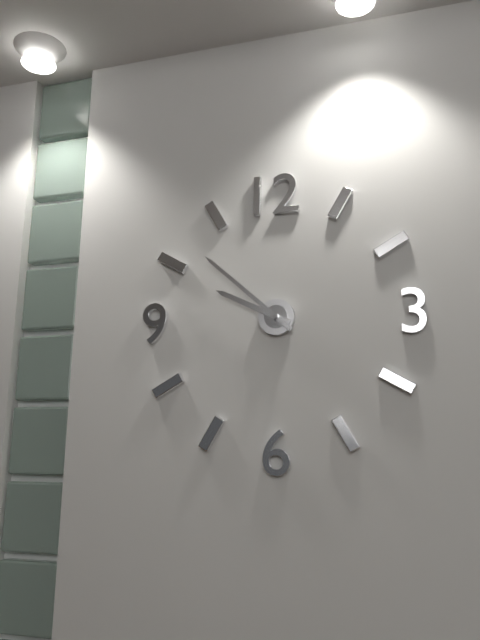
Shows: h=9 m=52
